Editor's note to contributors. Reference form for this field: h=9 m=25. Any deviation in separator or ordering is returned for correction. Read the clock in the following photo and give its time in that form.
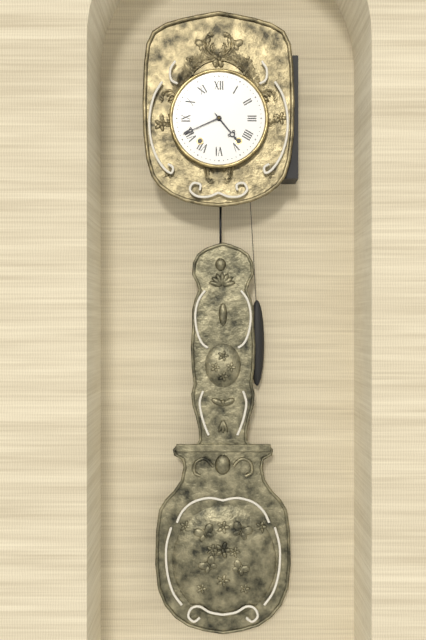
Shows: h=4 m=41
